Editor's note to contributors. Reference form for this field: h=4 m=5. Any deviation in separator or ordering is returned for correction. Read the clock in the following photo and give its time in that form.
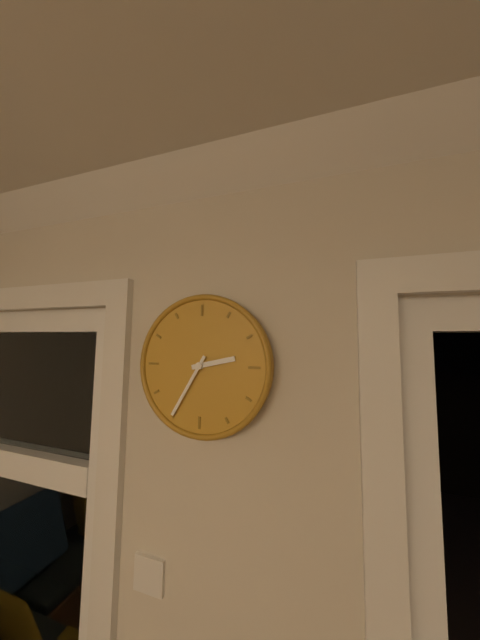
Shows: h=2 m=35
